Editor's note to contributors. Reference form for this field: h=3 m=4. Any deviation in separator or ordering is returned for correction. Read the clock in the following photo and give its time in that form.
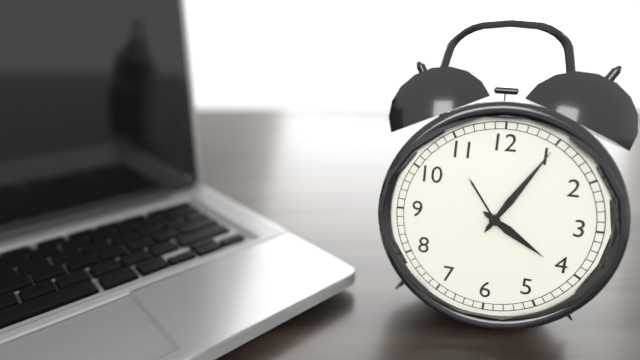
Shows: h=4 m=5
